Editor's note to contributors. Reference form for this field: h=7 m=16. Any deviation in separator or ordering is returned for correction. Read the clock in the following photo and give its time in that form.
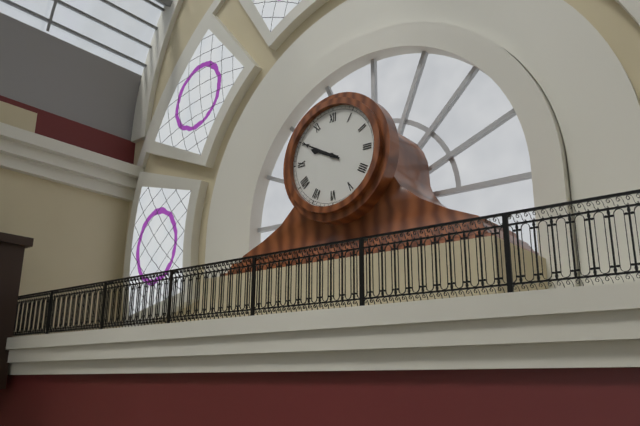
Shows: h=9 m=50
